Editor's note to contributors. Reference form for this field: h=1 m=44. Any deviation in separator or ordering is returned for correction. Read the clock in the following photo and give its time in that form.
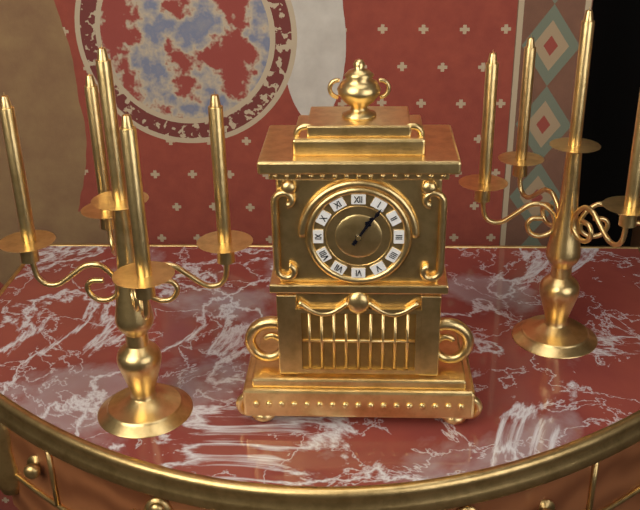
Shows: h=1 m=6
